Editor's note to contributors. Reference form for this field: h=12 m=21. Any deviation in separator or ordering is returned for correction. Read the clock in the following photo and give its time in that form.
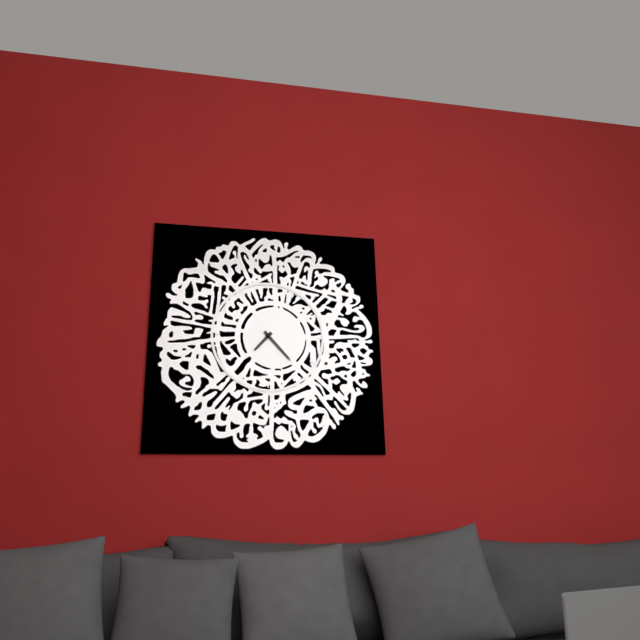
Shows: h=7 m=23
